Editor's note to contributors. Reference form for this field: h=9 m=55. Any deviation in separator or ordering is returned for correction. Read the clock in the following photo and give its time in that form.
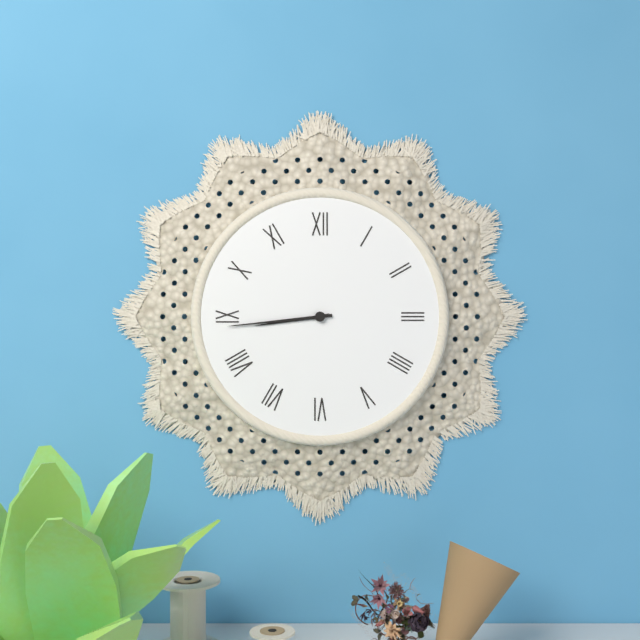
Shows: h=8 m=44
